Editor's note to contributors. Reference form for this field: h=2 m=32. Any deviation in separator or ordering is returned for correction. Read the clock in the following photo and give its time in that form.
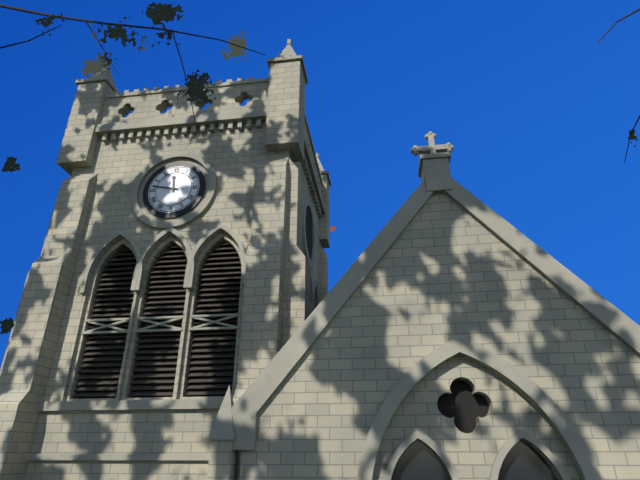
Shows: h=11 m=47
